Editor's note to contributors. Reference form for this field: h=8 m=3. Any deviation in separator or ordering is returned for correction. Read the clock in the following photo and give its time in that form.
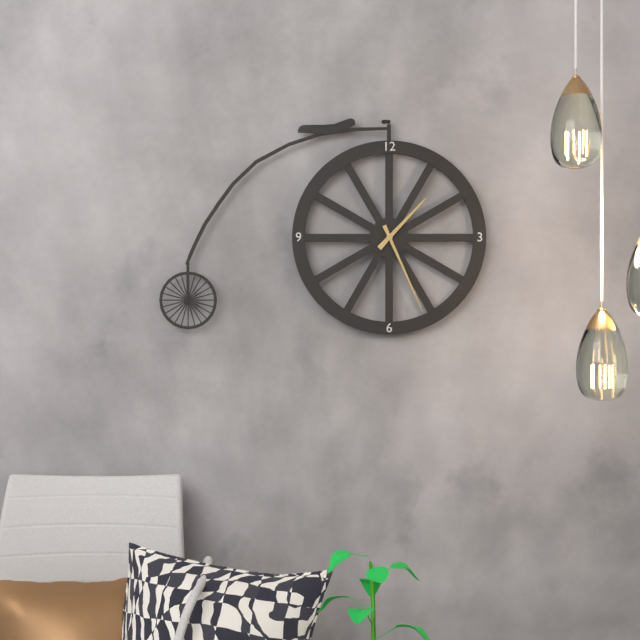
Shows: h=1 m=26
